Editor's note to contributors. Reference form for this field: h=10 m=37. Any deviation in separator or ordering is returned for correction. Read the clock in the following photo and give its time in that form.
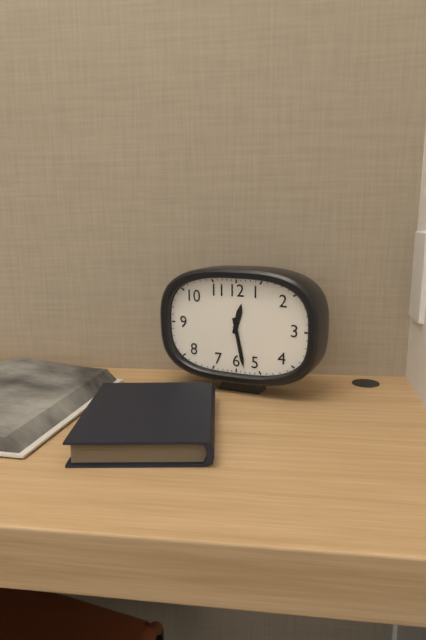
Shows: h=12 m=28
